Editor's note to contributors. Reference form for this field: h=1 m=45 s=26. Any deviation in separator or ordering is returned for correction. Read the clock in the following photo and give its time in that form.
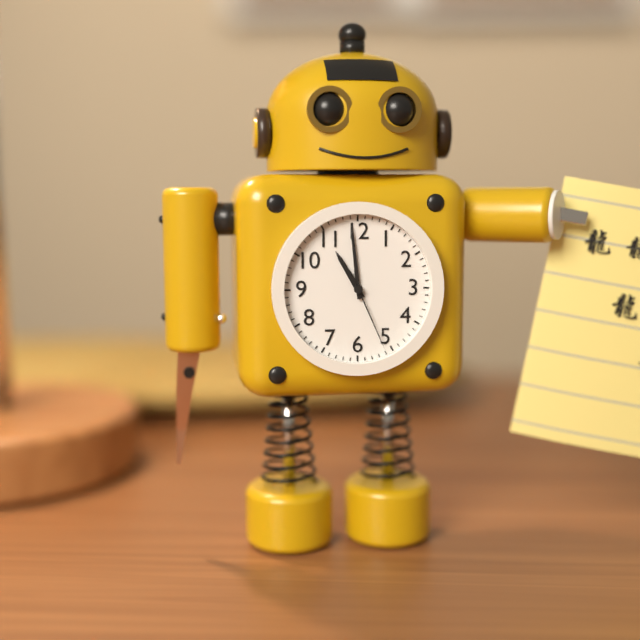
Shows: h=10 m=59 s=26
